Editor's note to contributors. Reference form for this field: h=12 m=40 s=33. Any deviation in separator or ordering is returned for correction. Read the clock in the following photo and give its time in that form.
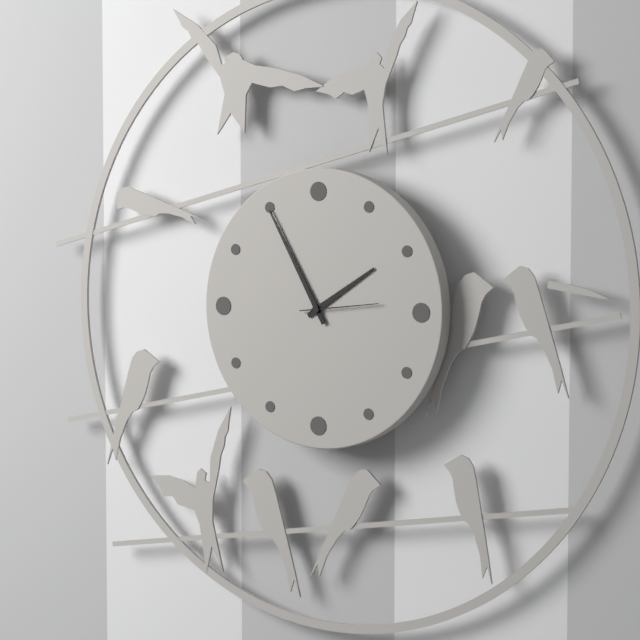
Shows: h=1 m=55 s=14
